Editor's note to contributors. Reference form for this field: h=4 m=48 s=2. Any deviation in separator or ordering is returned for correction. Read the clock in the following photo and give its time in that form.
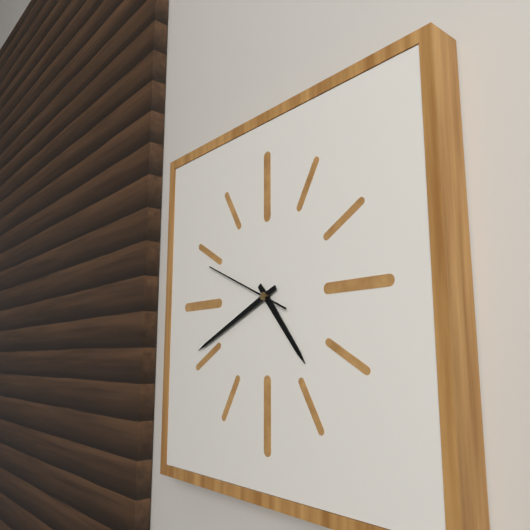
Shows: h=4 m=41 s=49
